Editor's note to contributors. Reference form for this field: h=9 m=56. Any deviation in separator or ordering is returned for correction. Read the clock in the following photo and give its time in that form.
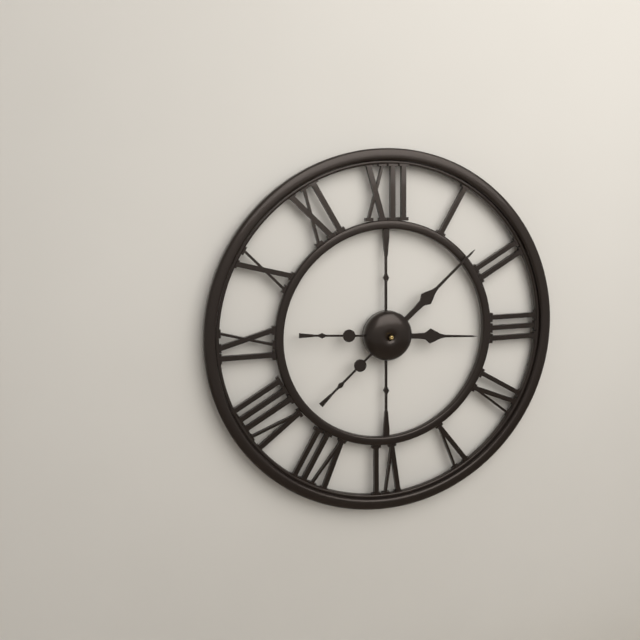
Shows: h=3 m=8
